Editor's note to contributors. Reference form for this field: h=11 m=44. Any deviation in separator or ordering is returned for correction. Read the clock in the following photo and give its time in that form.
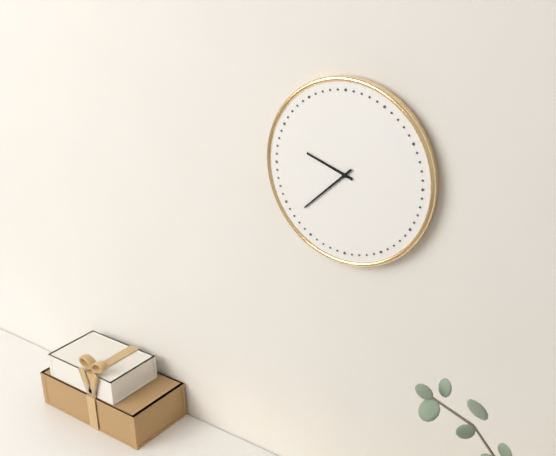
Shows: h=9 m=38
